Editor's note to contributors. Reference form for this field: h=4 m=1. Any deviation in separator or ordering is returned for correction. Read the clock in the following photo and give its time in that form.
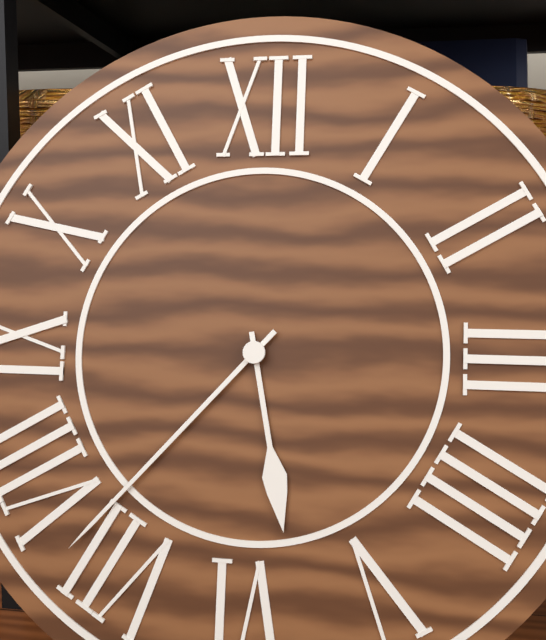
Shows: h=5 m=37
